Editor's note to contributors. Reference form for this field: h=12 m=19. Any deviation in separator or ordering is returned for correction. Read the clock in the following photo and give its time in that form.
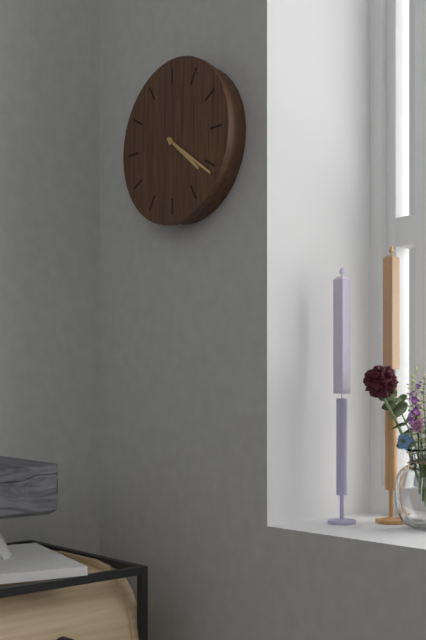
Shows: h=4 m=21
